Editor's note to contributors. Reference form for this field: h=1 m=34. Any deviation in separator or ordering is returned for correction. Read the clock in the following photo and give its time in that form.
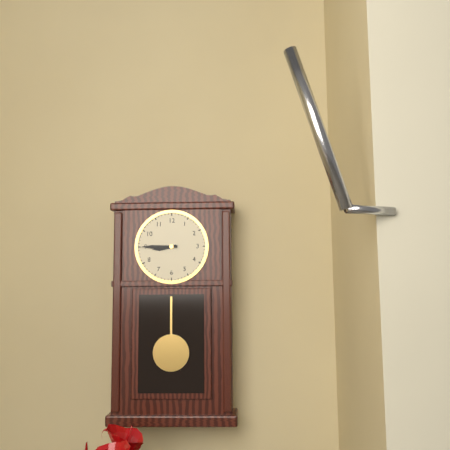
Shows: h=8 m=45
